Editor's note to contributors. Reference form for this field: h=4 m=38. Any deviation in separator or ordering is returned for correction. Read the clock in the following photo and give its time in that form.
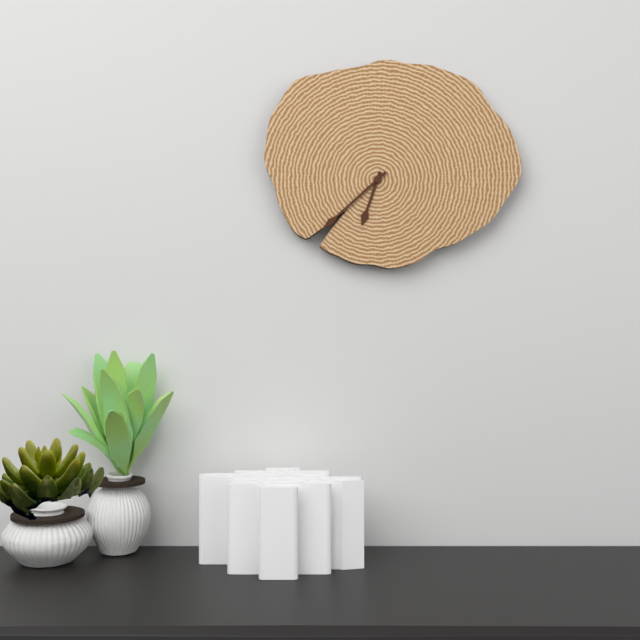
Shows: h=6 m=38
